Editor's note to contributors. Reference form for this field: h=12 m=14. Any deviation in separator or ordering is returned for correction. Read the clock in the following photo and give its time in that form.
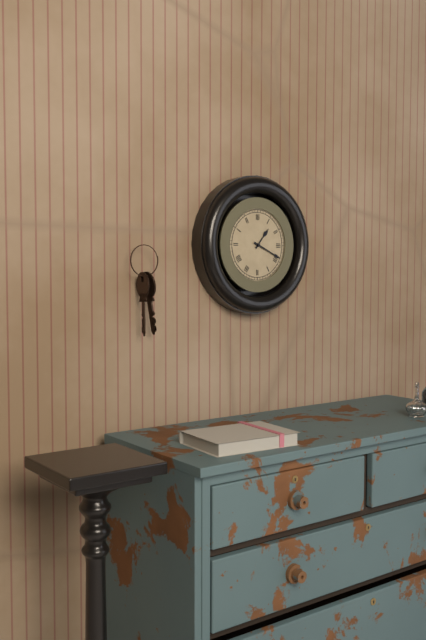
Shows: h=1 m=19
